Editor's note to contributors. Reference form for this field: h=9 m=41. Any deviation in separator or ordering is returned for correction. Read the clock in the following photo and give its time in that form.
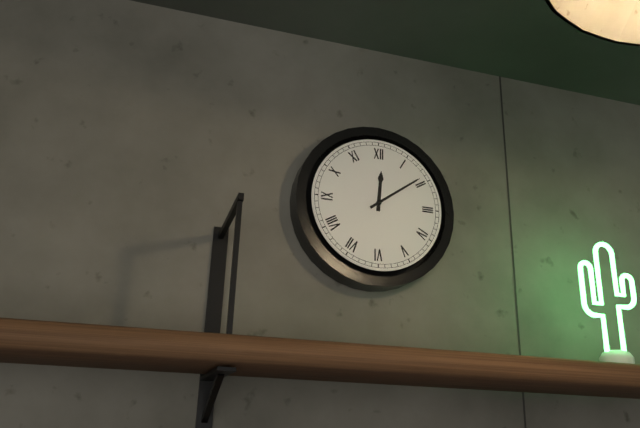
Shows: h=12 m=9
